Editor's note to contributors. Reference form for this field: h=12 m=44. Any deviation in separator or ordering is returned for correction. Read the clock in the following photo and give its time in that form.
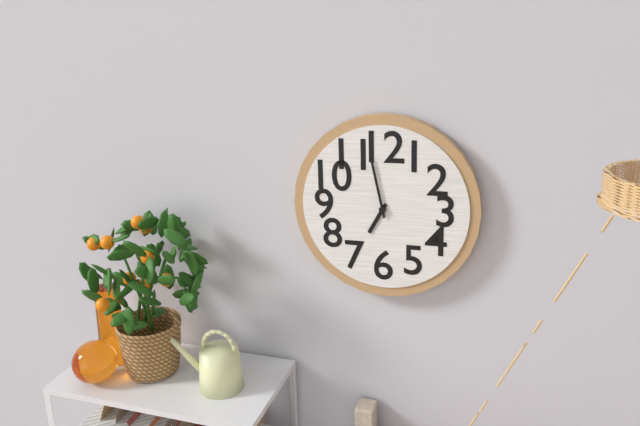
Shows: h=6 m=58
